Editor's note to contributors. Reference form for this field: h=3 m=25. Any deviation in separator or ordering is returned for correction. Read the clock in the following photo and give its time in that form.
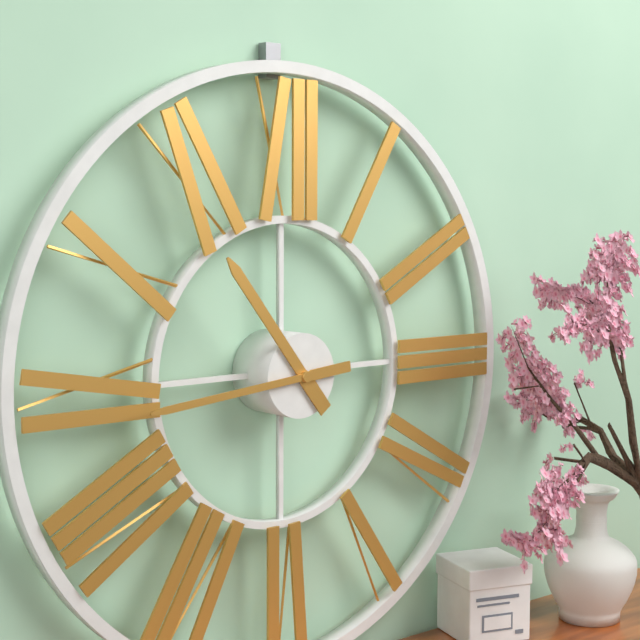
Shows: h=10 m=44
